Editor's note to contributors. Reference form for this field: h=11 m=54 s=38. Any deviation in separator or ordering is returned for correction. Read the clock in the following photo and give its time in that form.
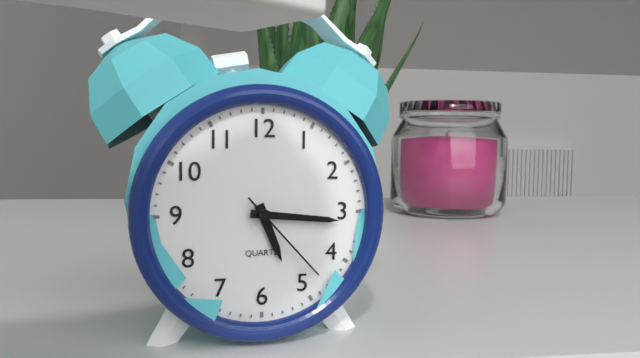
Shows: h=5 m=16 s=23
